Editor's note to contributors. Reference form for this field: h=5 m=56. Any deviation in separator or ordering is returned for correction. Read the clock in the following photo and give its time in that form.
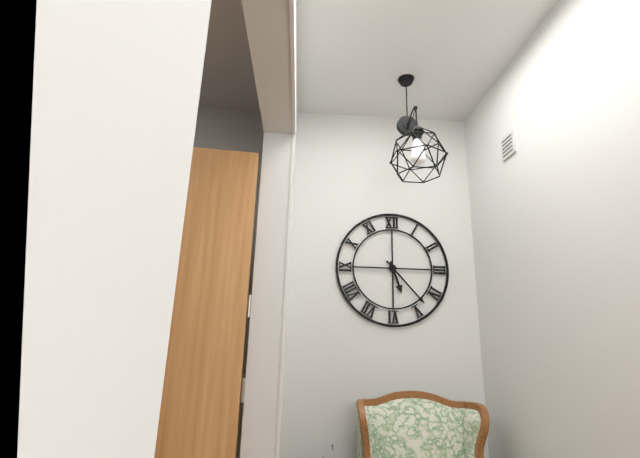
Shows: h=5 m=23
